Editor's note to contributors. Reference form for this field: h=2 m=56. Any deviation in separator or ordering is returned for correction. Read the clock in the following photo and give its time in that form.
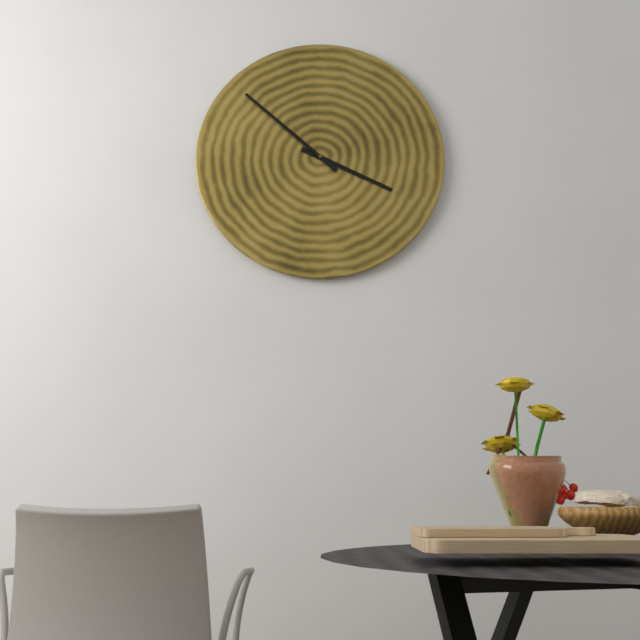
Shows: h=3 m=52
